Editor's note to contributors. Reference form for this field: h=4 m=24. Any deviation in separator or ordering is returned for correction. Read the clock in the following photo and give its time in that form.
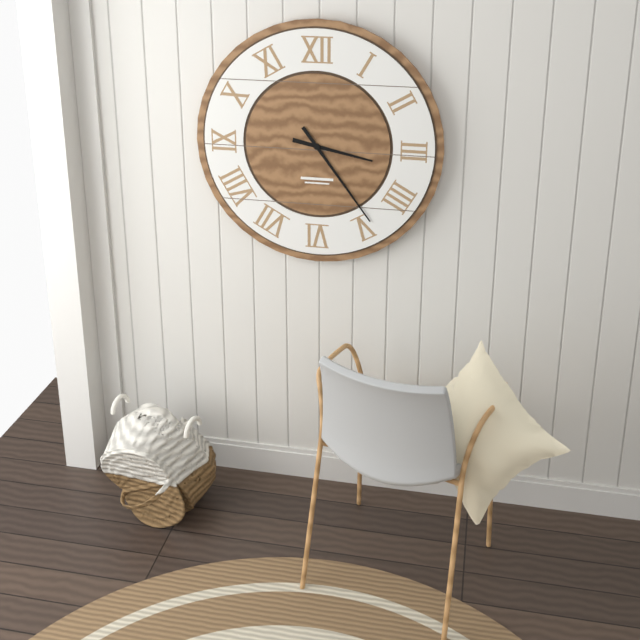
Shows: h=3 m=24
